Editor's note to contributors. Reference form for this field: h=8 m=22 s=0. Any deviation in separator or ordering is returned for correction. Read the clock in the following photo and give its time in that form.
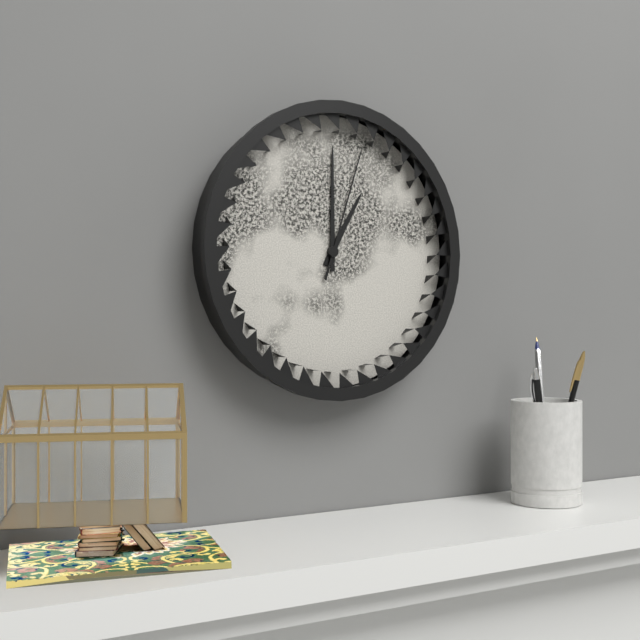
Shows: h=1 m=0 s=3
